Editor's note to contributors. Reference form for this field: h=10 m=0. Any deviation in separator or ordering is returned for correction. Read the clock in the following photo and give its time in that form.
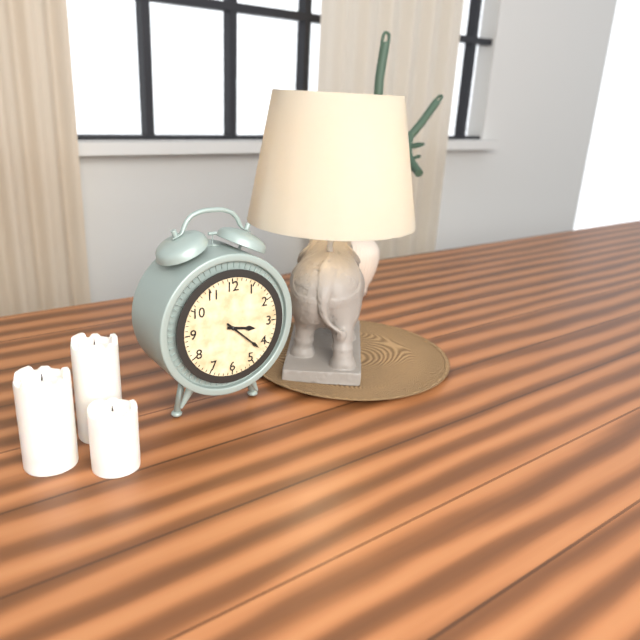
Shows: h=3 m=22
